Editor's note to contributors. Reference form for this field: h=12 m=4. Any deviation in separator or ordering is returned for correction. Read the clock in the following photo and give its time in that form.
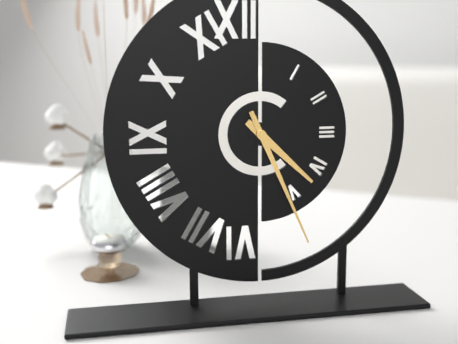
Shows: h=4 m=26
